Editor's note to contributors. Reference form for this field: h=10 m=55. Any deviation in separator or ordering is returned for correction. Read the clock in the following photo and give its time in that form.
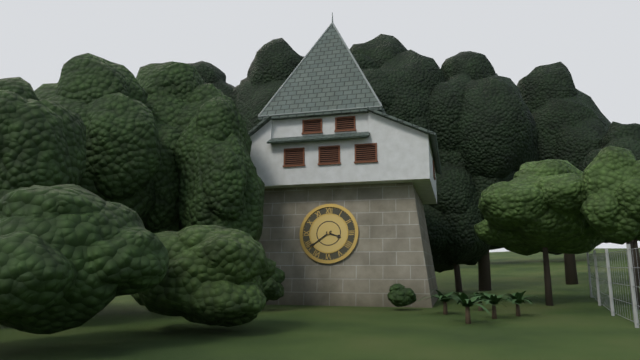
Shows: h=3 m=39
